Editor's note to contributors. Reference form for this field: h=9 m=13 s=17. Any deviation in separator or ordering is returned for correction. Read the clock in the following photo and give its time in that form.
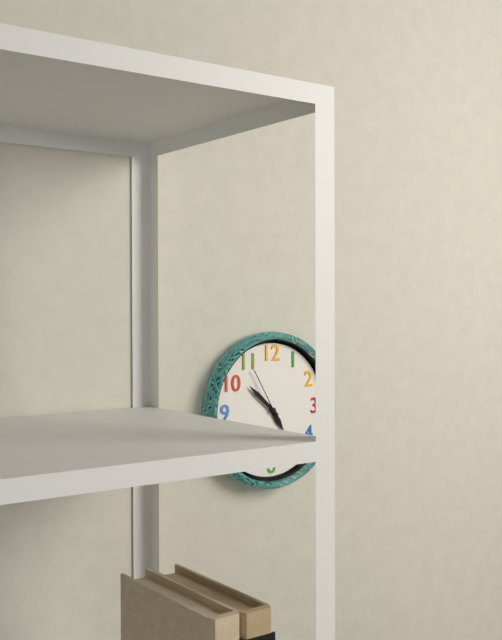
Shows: h=4 m=52 s=55
